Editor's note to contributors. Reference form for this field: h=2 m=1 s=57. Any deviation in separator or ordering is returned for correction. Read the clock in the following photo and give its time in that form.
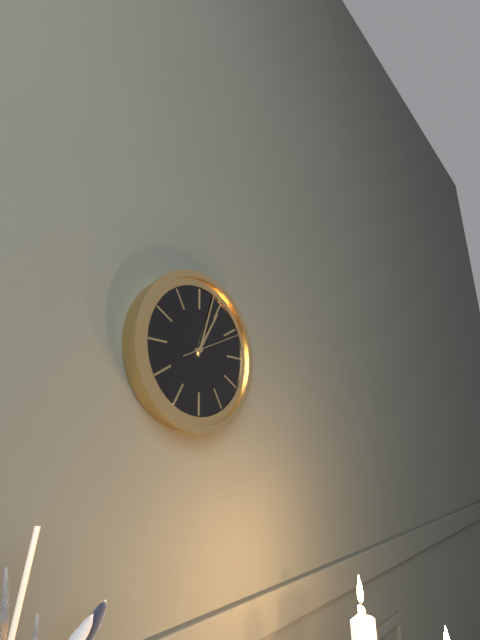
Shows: h=1 m=3 s=11
